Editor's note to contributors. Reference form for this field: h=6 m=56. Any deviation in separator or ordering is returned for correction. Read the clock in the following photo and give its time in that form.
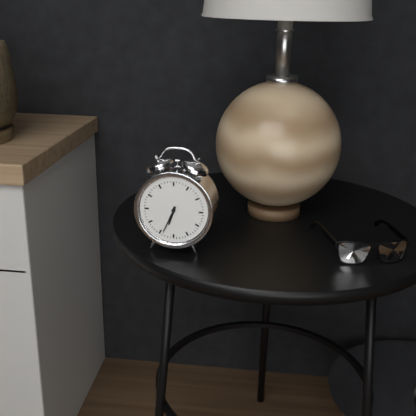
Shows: h=6 m=34
